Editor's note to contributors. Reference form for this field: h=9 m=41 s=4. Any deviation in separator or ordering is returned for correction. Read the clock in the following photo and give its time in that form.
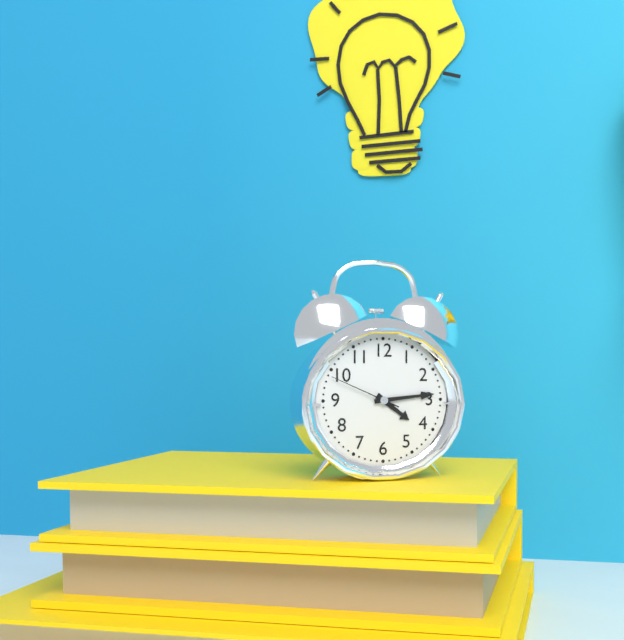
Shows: h=4 m=14 s=49
